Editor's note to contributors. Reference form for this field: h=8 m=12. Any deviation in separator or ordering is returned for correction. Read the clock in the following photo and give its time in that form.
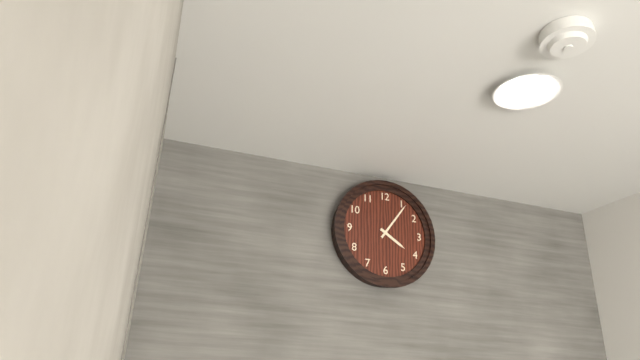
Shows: h=4 m=6
